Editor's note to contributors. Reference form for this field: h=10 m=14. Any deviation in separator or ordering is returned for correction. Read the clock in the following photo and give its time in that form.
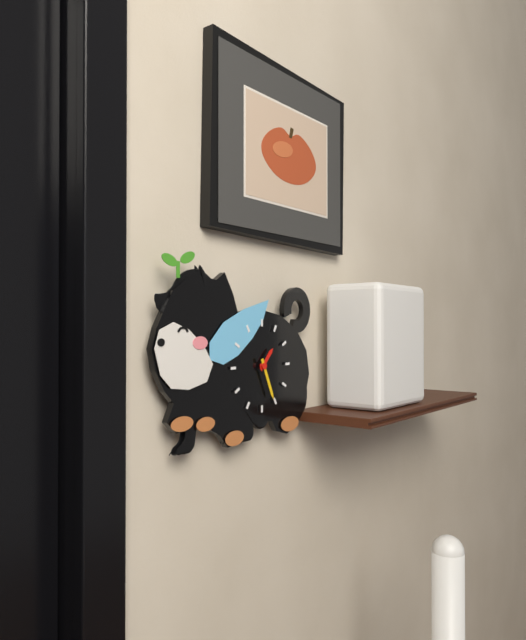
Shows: h=1 m=26
